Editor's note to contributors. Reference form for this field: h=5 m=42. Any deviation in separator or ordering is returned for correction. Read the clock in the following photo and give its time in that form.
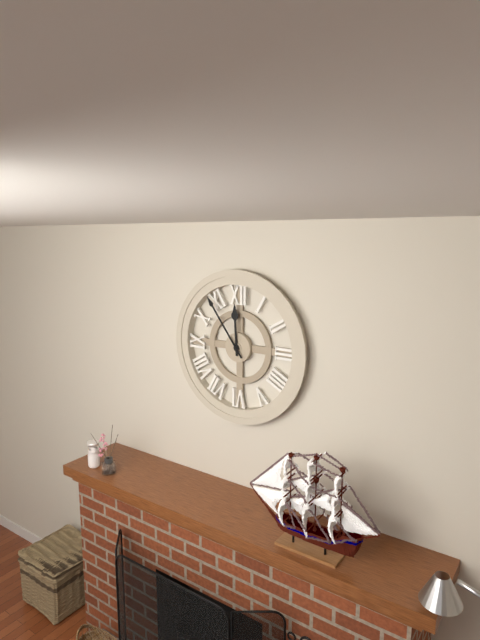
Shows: h=11 m=54
